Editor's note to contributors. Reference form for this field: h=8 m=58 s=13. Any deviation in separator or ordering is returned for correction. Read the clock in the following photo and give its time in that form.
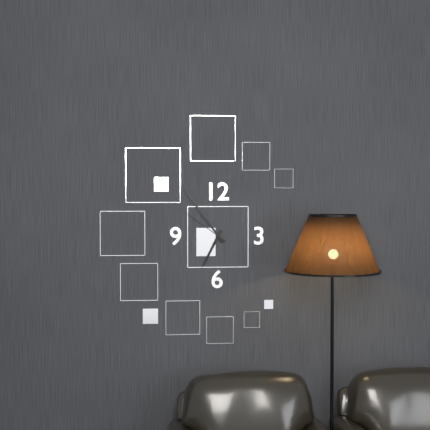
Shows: h=6 m=54 s=51
